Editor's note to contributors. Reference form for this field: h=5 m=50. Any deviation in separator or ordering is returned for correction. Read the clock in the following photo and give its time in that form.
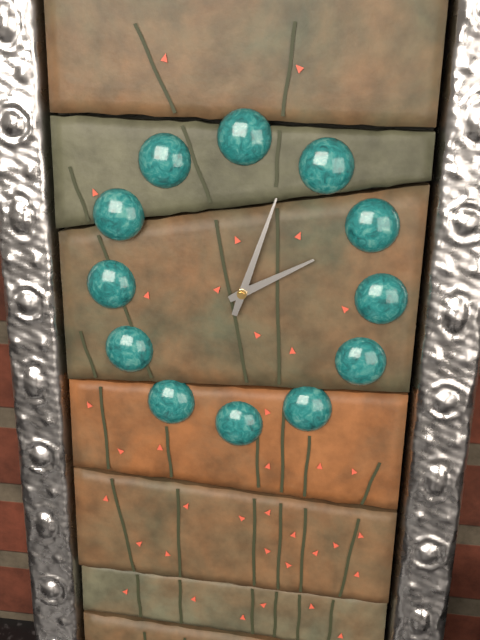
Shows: h=2 m=3
